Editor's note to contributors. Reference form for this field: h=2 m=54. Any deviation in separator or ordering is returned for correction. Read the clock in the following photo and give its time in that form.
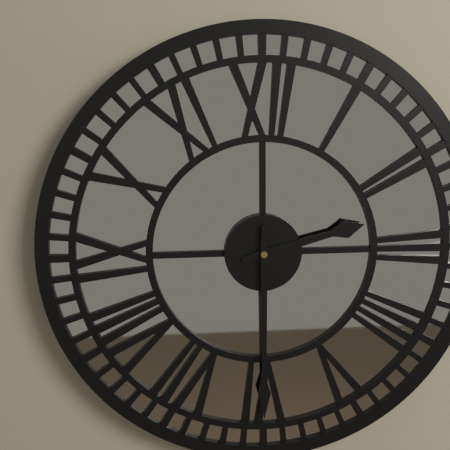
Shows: h=2 m=30
